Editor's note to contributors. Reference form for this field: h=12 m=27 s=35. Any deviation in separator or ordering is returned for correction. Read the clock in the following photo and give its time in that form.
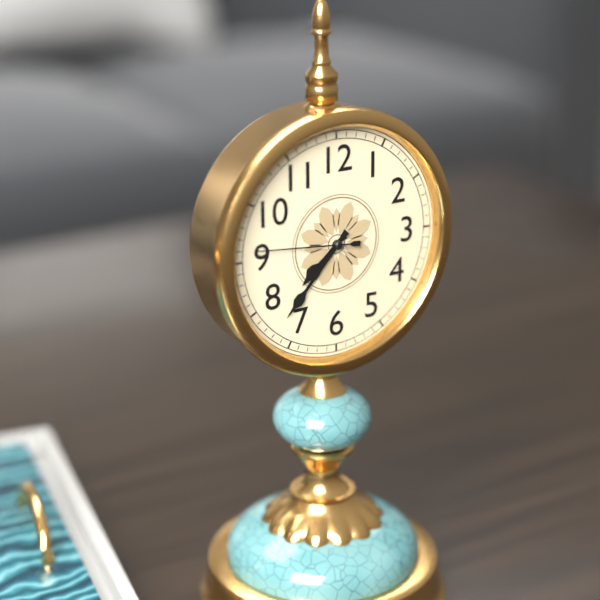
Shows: h=7 m=37 s=46
